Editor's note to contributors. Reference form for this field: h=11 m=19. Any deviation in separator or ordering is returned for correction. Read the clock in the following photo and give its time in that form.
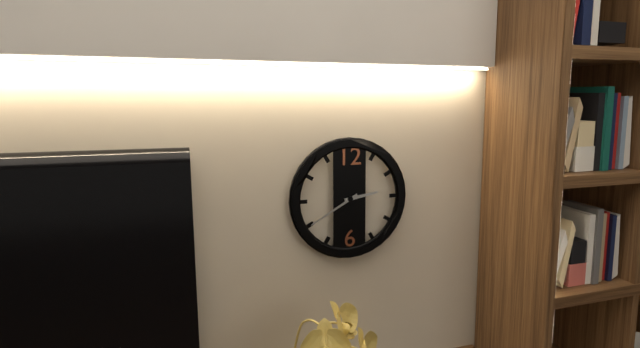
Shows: h=2 m=40
